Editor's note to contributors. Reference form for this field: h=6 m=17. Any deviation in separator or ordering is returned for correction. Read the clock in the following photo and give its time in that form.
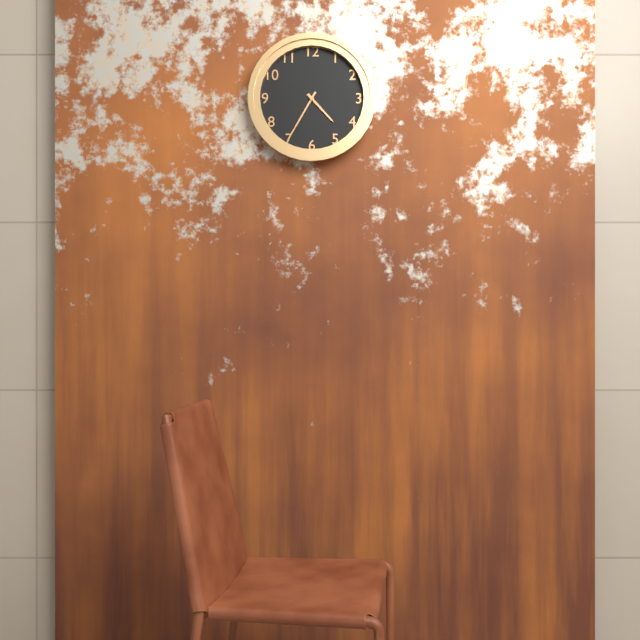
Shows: h=4 m=35
